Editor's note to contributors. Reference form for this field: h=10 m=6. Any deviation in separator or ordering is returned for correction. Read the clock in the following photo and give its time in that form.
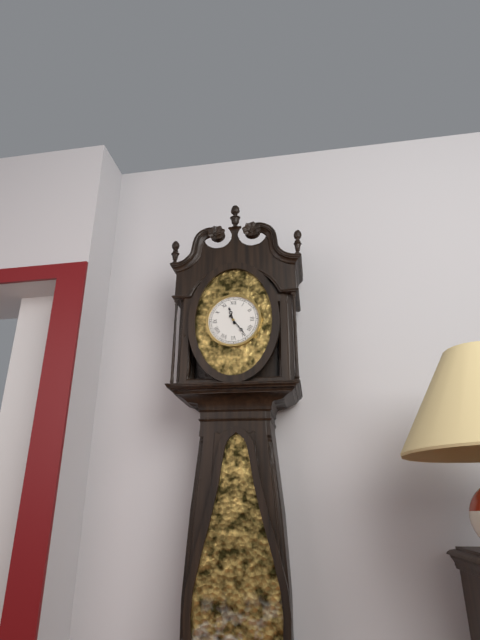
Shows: h=11 m=24
